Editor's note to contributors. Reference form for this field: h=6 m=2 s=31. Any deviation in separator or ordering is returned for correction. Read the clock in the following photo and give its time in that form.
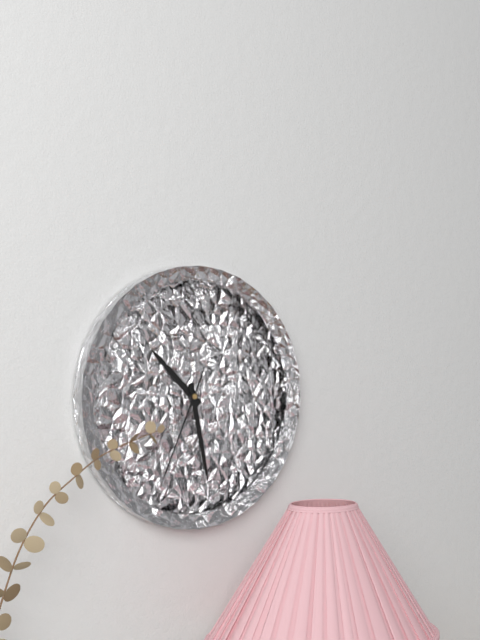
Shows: h=10 m=28 s=34
